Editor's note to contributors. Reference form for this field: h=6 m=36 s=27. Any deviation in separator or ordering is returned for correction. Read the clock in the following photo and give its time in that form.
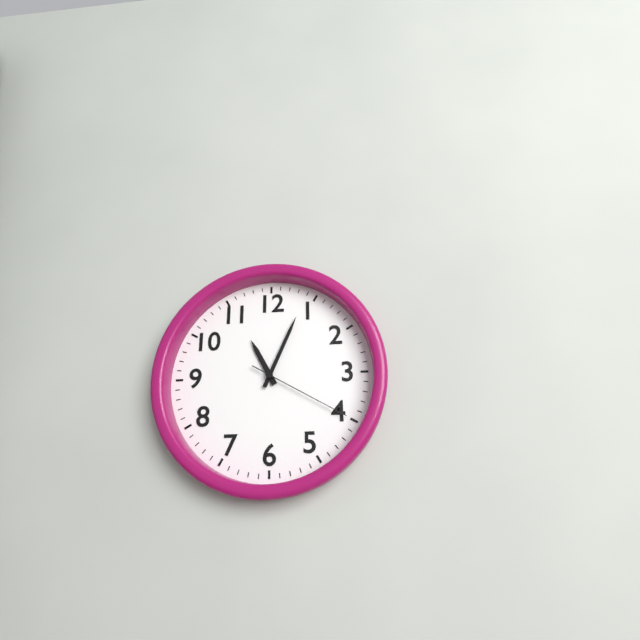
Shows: h=11 m=4 s=20
